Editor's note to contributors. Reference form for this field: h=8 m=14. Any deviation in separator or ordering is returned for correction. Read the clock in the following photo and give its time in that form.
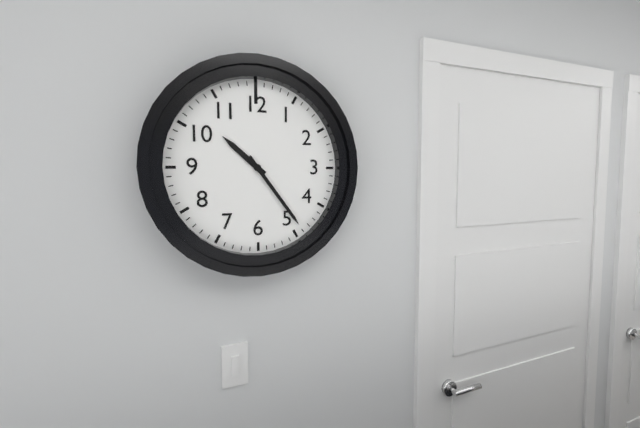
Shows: h=10 m=24
